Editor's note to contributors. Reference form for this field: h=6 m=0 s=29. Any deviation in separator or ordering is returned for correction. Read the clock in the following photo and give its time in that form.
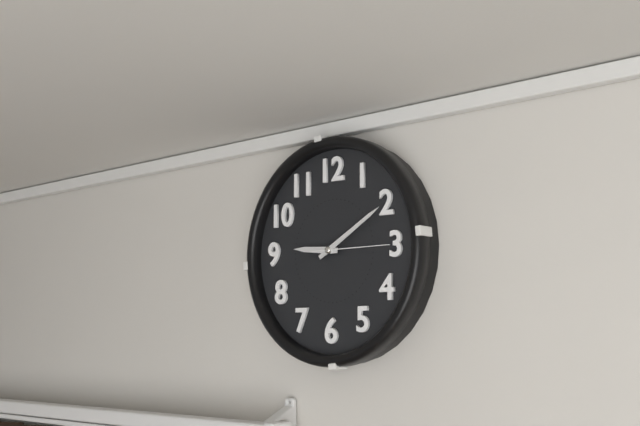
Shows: h=9 m=10 s=15
